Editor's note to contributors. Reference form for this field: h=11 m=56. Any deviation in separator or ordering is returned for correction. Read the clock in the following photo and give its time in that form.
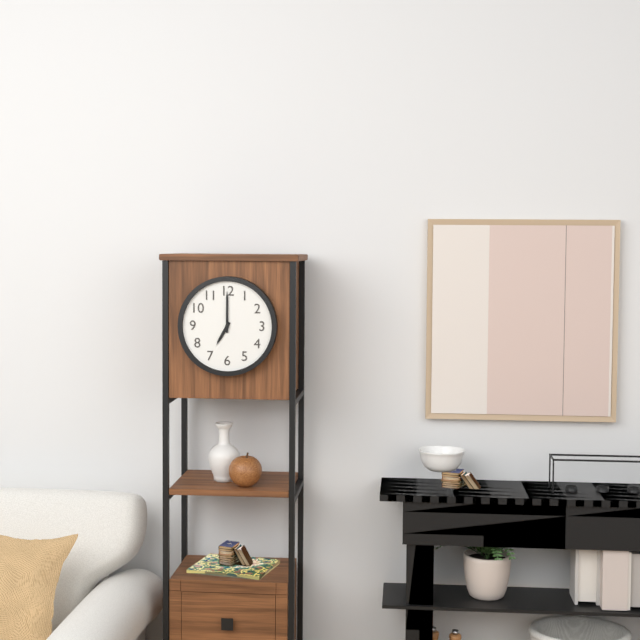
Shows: h=7 m=0
